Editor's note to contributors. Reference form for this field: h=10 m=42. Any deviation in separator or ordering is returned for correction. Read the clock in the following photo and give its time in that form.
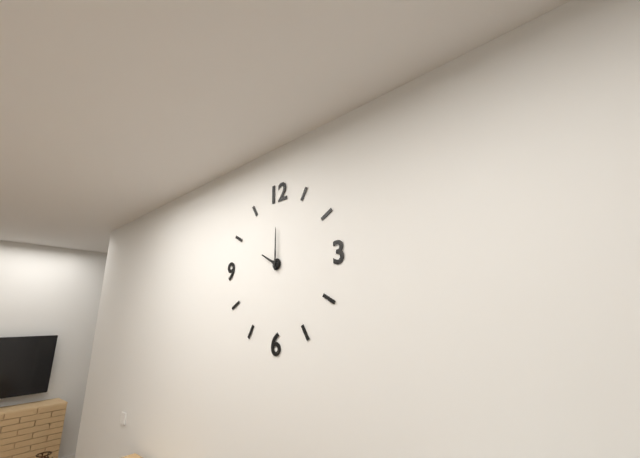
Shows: h=10 m=0
